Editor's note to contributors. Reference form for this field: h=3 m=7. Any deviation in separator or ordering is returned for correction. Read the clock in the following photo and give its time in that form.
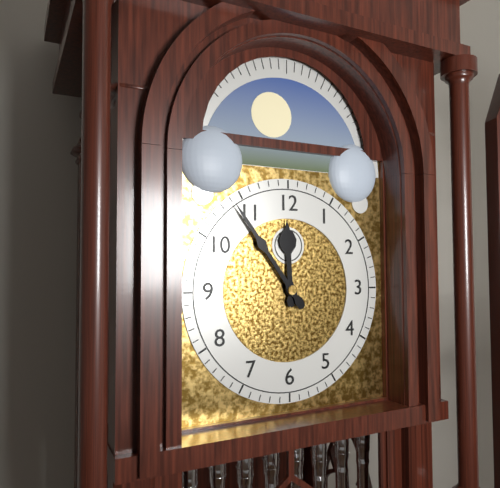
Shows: h=11 m=54
